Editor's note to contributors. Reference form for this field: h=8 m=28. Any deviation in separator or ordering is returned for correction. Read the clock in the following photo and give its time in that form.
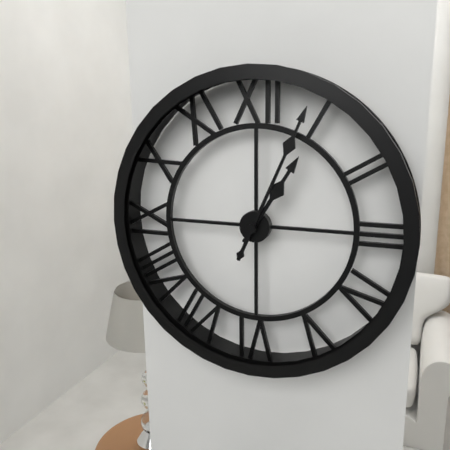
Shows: h=1 m=4
